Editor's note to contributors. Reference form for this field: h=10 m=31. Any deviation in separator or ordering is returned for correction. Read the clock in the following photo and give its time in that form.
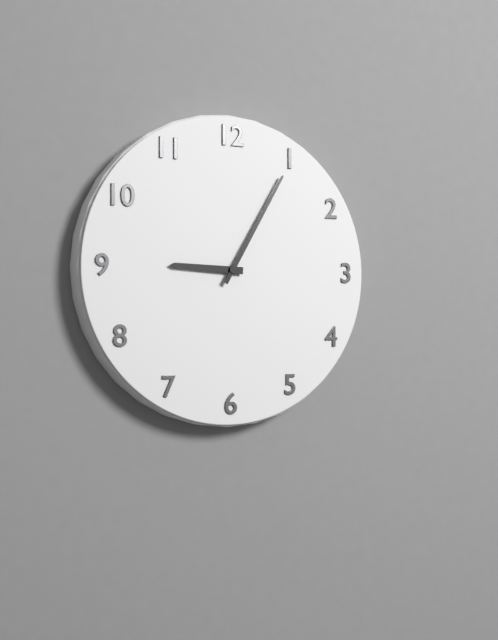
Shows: h=9 m=5
